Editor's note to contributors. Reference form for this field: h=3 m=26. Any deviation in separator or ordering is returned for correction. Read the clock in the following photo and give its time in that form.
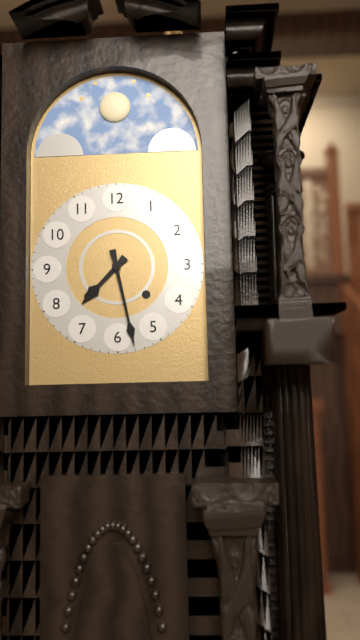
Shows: h=7 m=28
